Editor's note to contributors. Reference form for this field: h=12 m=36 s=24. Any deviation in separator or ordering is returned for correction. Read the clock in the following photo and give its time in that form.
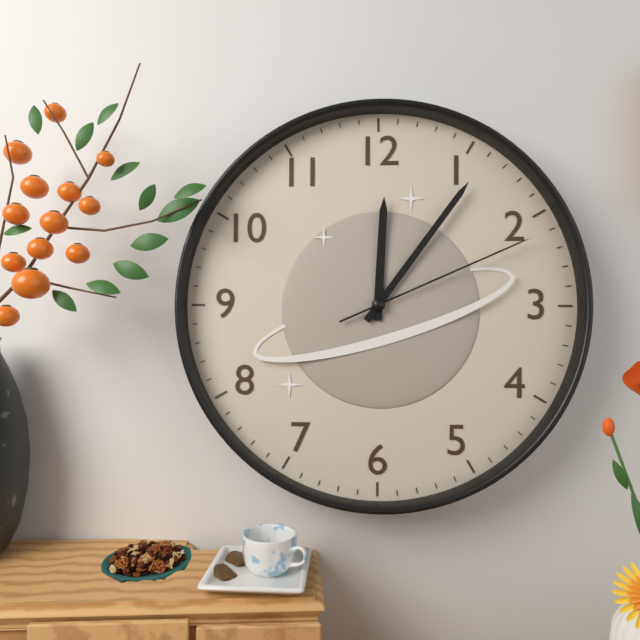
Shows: h=12 m=6 s=11
